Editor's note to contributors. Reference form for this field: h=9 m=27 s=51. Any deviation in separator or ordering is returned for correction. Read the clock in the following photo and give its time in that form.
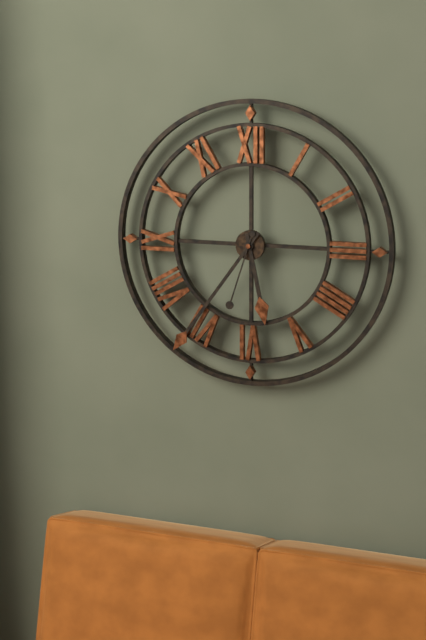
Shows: h=5 m=36 s=33
